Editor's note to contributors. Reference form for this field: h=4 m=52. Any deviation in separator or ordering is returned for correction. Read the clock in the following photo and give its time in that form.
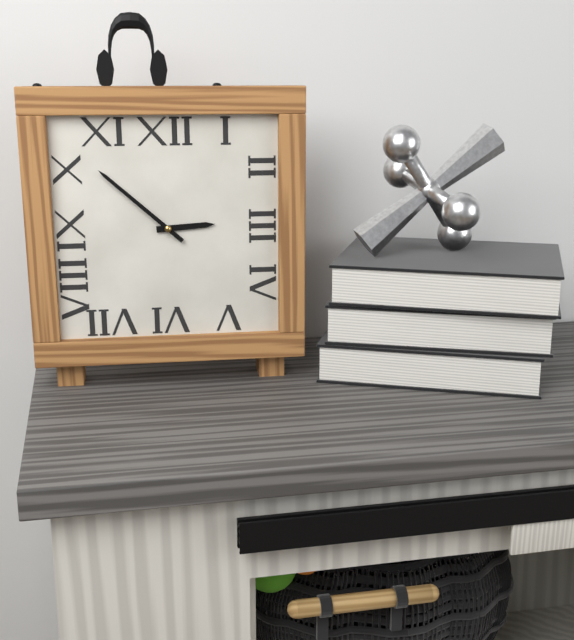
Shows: h=2 m=52
